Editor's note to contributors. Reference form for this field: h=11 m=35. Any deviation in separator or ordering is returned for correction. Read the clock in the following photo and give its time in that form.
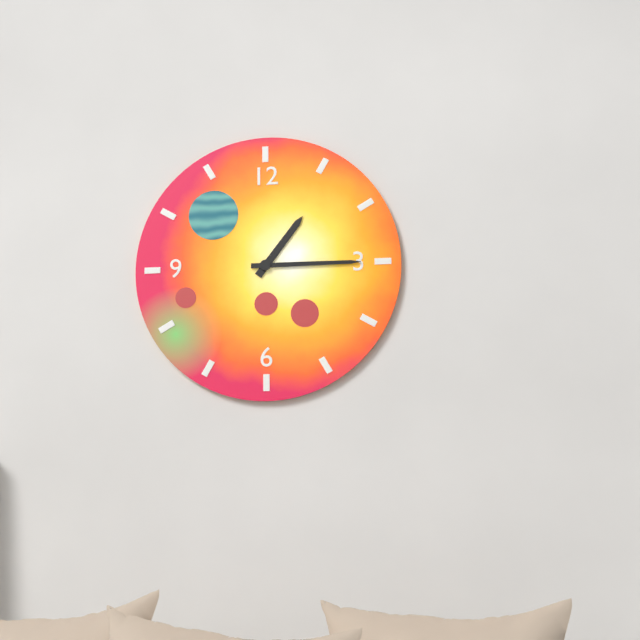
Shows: h=1 m=15
